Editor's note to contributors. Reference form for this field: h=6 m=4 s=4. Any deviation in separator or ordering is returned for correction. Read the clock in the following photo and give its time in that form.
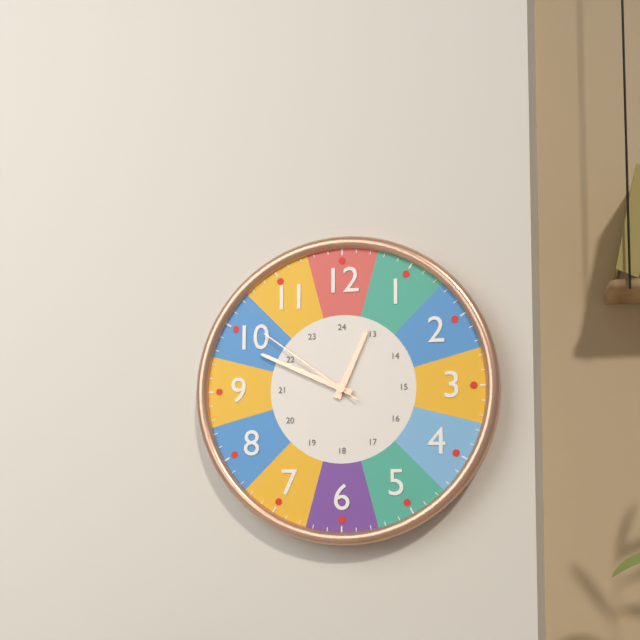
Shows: h=12 m=49 s=51
